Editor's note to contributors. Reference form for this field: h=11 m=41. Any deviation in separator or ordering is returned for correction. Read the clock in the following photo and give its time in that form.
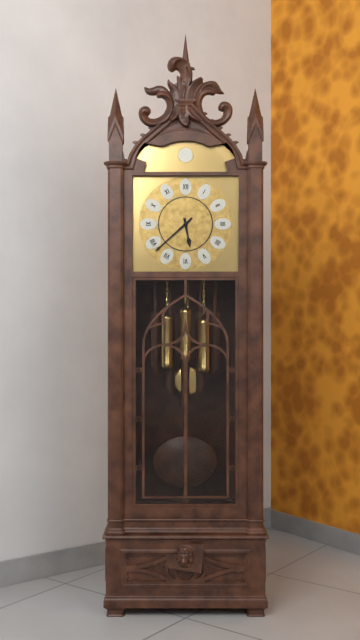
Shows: h=5 m=38
